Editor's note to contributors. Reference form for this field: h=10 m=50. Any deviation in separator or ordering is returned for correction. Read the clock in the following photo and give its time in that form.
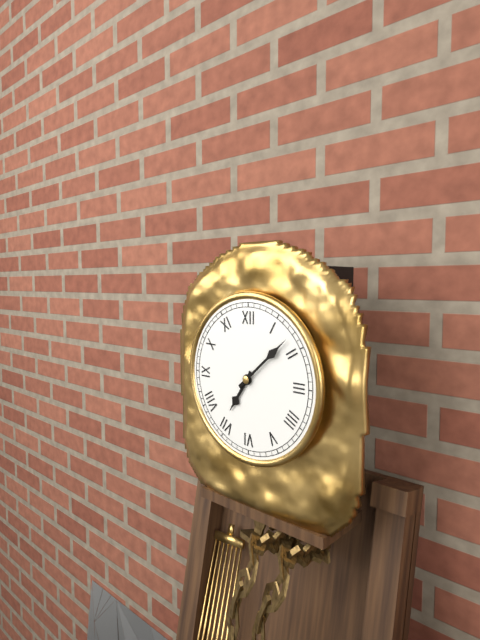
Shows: h=7 m=8
